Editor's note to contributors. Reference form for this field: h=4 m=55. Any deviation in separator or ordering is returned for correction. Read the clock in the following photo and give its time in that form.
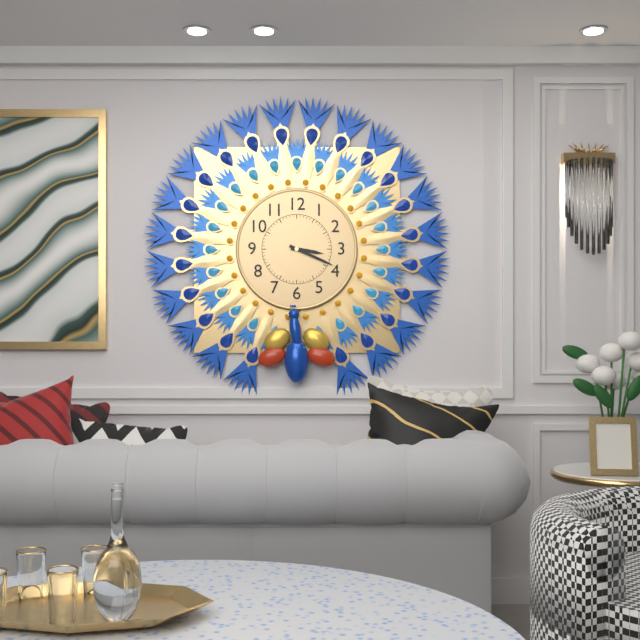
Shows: h=3 m=19
